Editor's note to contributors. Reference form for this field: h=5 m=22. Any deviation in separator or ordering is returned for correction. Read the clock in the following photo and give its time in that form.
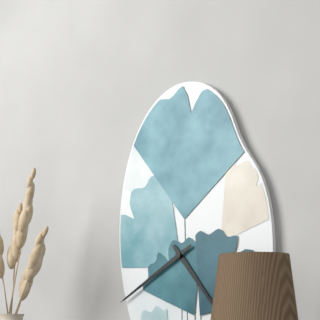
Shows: h=4 m=40
